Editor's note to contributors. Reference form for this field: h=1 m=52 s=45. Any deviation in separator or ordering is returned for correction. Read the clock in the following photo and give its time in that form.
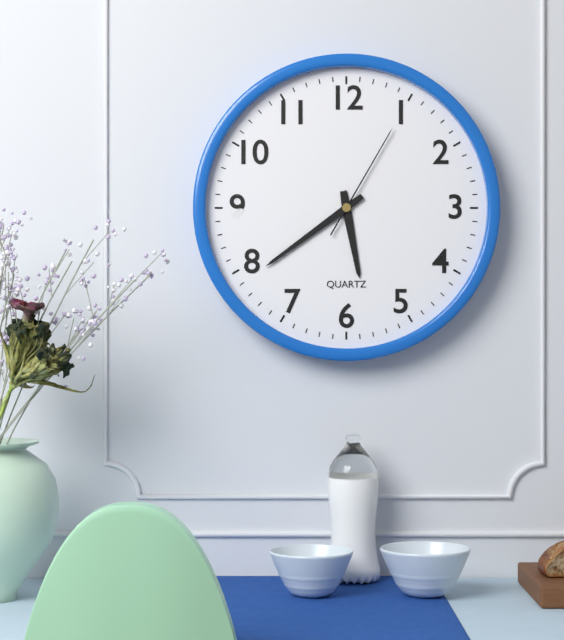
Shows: h=5 m=39 s=5
